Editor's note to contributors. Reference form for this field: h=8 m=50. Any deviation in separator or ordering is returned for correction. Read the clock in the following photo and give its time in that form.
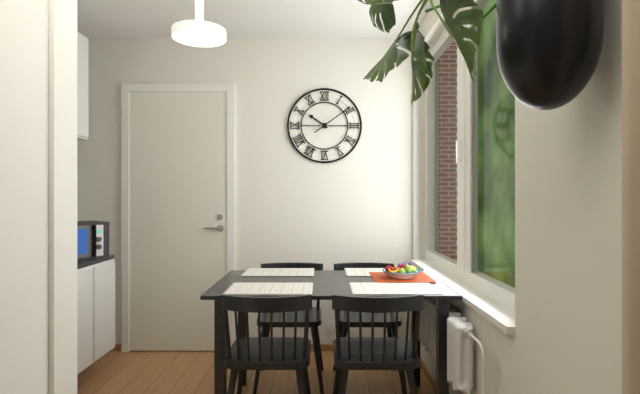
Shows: h=10 m=9
